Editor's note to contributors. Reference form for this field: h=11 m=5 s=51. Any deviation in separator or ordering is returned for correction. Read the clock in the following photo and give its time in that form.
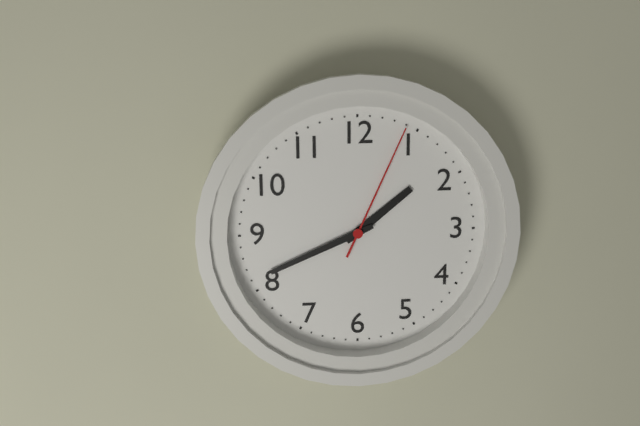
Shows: h=1 m=41 s=4
